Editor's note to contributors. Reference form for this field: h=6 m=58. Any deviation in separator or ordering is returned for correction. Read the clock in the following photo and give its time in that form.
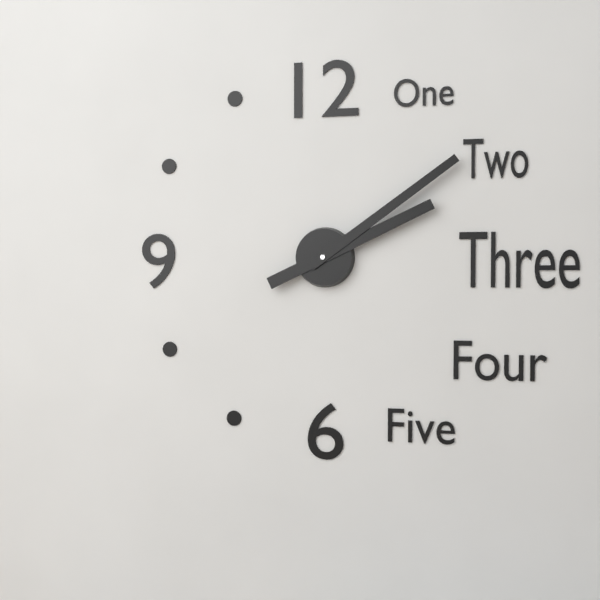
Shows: h=2 m=9
